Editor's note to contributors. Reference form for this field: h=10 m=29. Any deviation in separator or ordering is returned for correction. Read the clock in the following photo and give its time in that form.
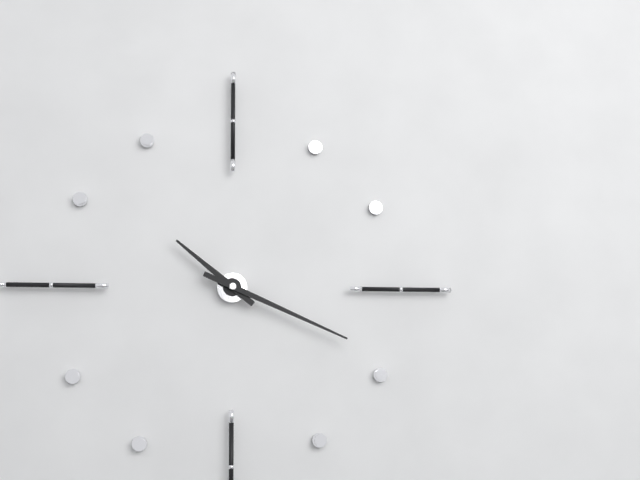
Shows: h=10 m=19
